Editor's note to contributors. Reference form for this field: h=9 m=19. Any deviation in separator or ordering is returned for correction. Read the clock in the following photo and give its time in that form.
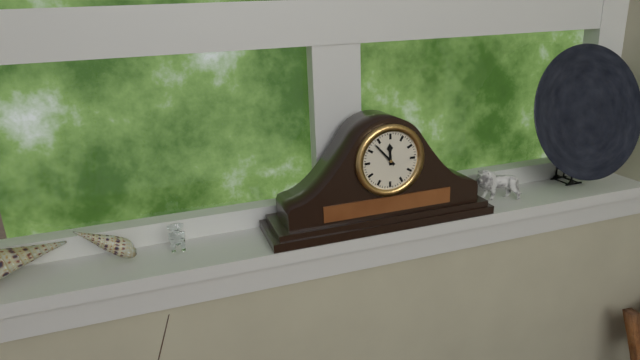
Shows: h=11 m=53
